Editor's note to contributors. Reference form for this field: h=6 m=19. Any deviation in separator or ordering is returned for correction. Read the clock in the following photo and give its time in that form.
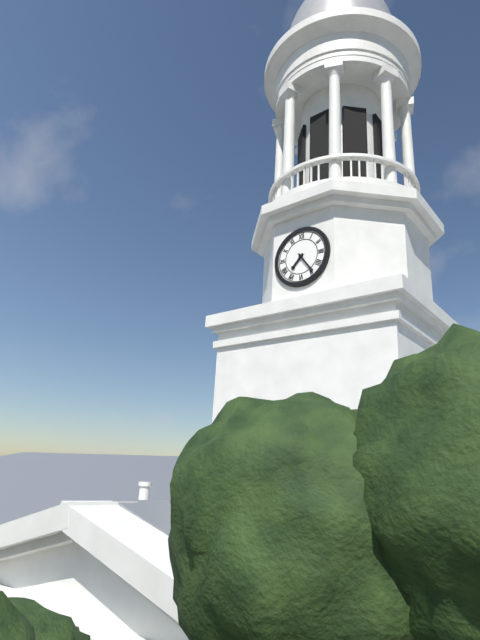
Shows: h=7 m=24
